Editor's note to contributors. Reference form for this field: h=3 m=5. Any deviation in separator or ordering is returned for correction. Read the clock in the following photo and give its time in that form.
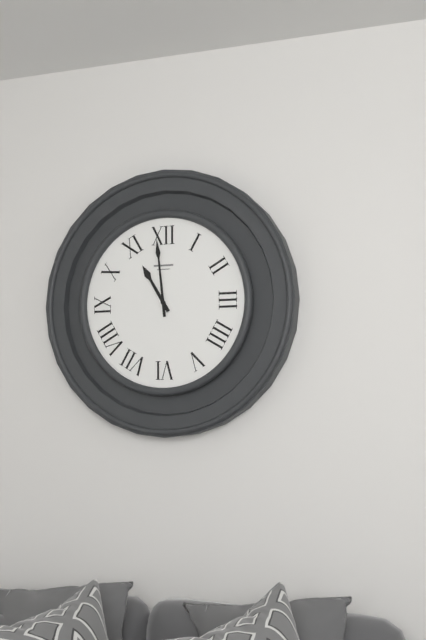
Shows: h=10 m=59
